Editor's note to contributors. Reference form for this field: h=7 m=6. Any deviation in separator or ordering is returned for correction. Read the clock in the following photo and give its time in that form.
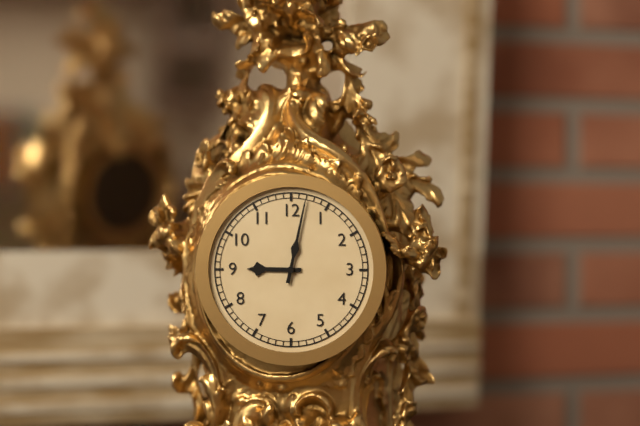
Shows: h=9 m=2
